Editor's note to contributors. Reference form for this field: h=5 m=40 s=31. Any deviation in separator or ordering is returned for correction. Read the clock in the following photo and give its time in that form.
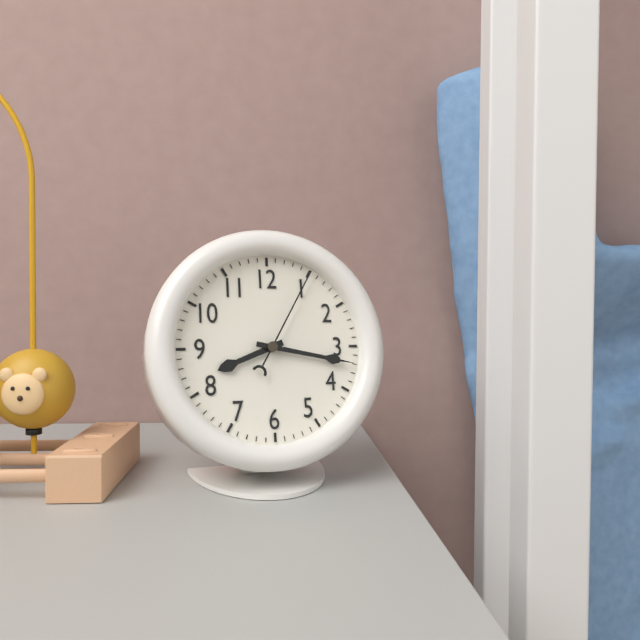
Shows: h=8 m=17 s=5
